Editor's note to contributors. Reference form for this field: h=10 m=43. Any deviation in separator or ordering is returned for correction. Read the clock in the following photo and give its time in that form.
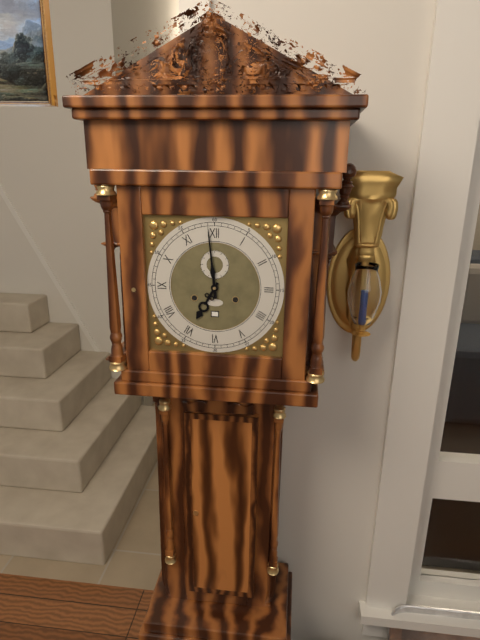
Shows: h=6 m=59
